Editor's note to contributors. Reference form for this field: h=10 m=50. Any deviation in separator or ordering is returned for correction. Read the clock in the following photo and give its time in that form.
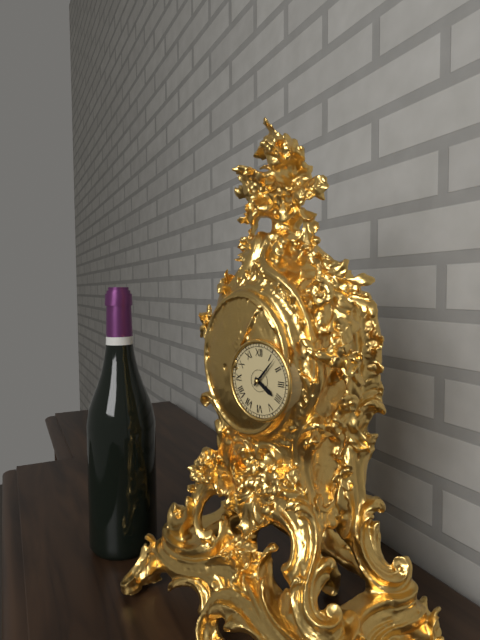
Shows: h=4 m=7
